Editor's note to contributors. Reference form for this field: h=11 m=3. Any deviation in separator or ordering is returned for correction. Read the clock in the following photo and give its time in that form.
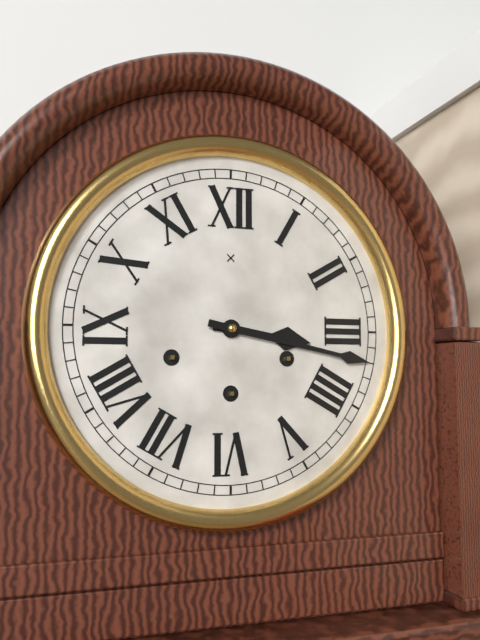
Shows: h=3 m=17
